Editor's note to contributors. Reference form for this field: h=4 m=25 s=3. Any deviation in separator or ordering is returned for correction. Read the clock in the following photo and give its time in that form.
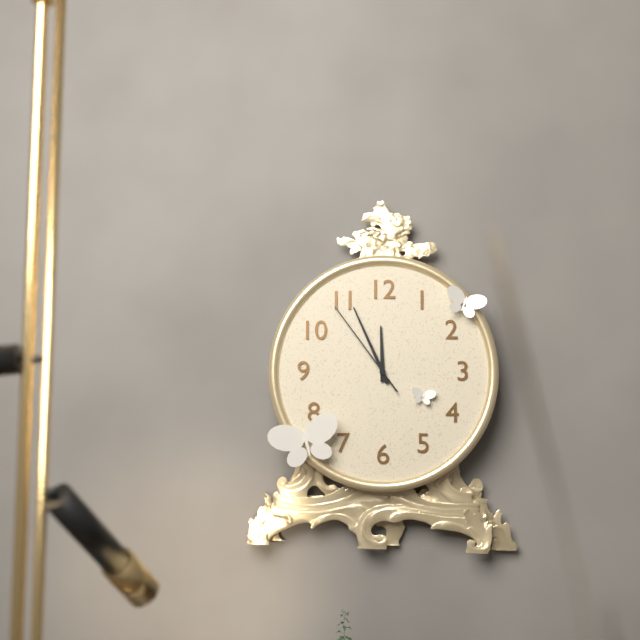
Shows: h=11 m=56 s=54
